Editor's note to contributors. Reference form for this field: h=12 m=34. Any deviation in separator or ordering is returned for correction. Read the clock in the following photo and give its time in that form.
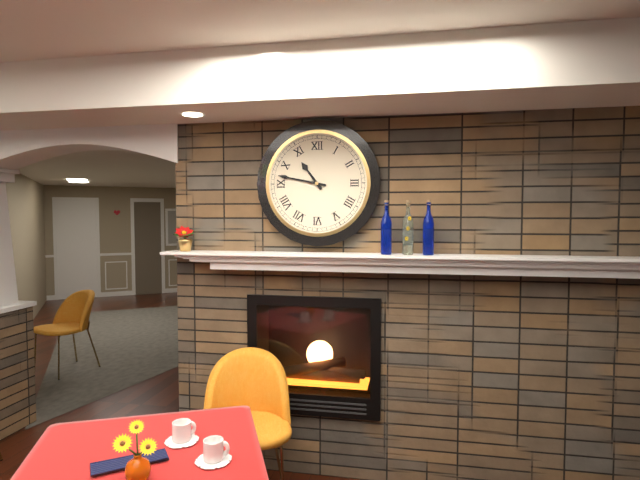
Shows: h=10 m=47
